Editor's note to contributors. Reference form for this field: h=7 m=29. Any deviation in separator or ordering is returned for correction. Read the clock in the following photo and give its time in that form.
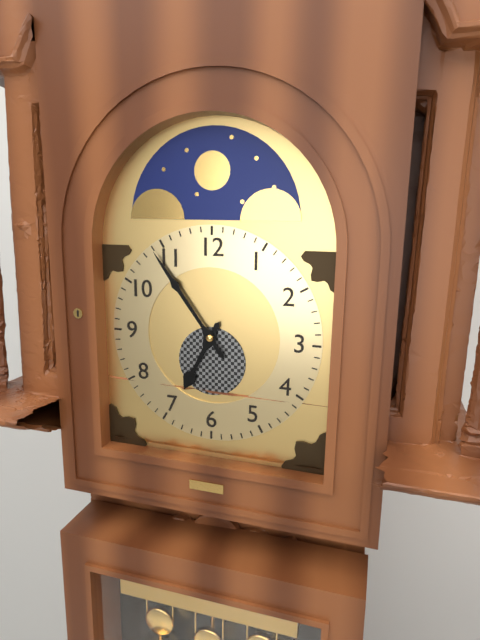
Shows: h=6 m=54
